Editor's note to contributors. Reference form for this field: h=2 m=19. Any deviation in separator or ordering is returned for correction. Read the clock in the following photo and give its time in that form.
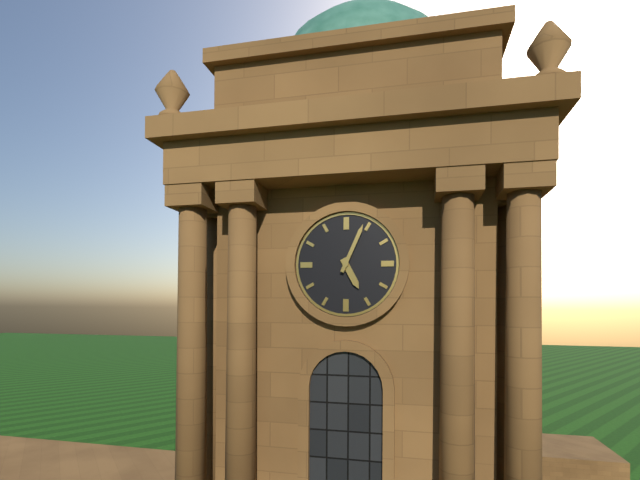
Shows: h=5 m=4
